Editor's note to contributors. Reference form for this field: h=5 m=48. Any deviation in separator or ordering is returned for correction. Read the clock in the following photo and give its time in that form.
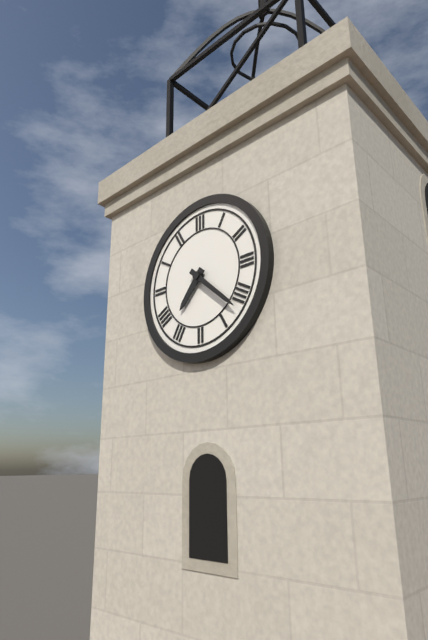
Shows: h=7 m=22
